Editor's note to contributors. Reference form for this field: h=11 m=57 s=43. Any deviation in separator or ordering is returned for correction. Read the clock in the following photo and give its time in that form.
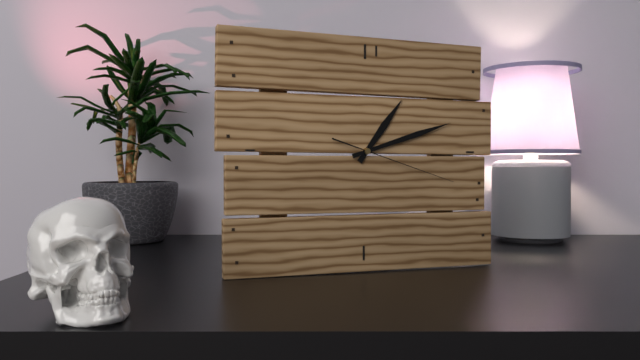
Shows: h=1 m=12 s=18
